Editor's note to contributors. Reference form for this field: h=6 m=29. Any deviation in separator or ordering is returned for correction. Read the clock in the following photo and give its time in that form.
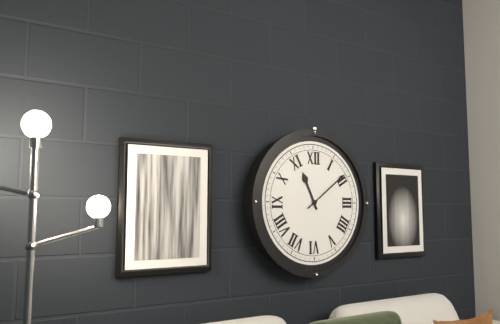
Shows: h=11 m=9
